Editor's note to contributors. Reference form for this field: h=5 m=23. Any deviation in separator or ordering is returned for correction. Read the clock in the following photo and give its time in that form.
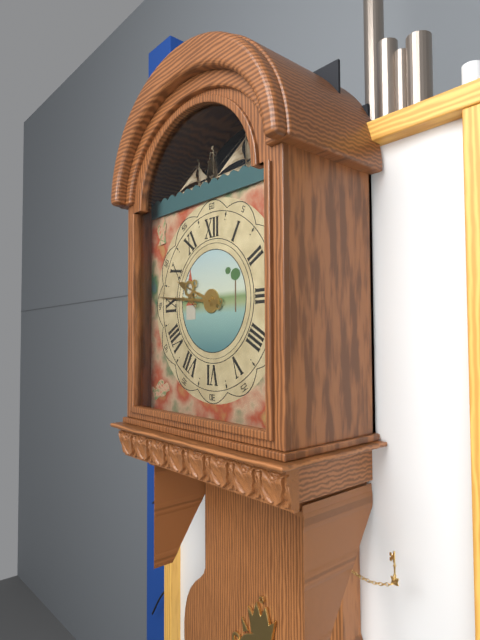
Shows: h=9 m=46
